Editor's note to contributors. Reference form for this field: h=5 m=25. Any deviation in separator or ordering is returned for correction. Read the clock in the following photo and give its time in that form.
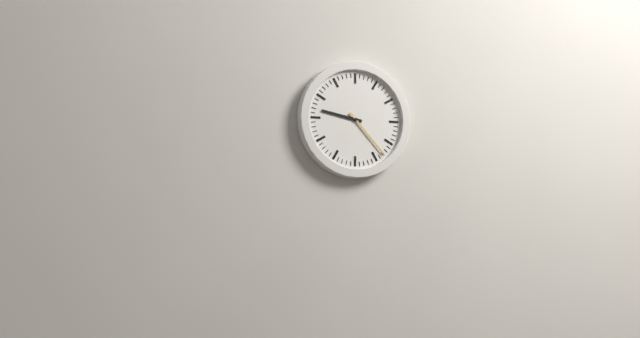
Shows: h=9 m=23
